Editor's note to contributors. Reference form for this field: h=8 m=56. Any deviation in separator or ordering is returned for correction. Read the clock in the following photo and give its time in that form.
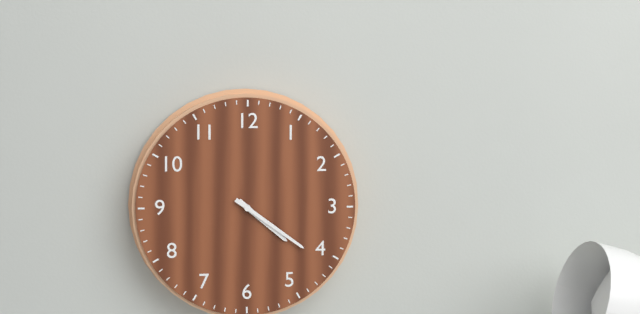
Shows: h=4 m=21
